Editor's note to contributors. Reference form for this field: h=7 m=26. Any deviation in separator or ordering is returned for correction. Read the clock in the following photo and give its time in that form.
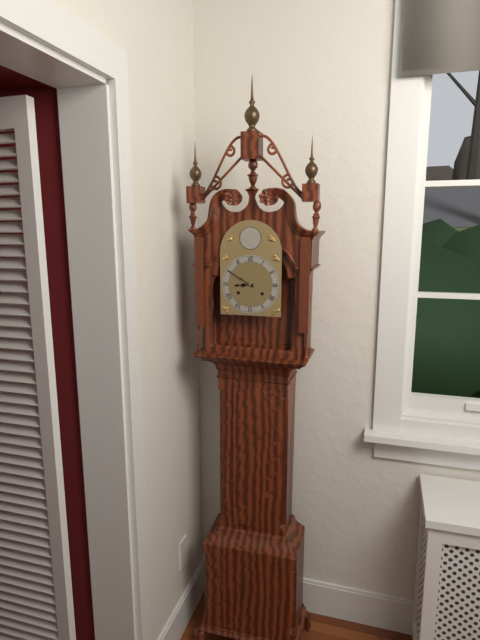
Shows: h=8 m=50
